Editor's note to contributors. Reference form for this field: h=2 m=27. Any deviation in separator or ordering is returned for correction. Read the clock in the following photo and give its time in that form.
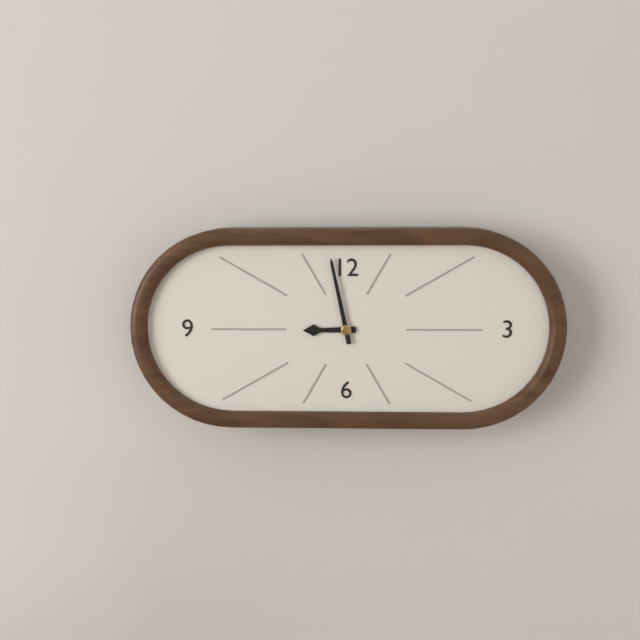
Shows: h=8 m=58
